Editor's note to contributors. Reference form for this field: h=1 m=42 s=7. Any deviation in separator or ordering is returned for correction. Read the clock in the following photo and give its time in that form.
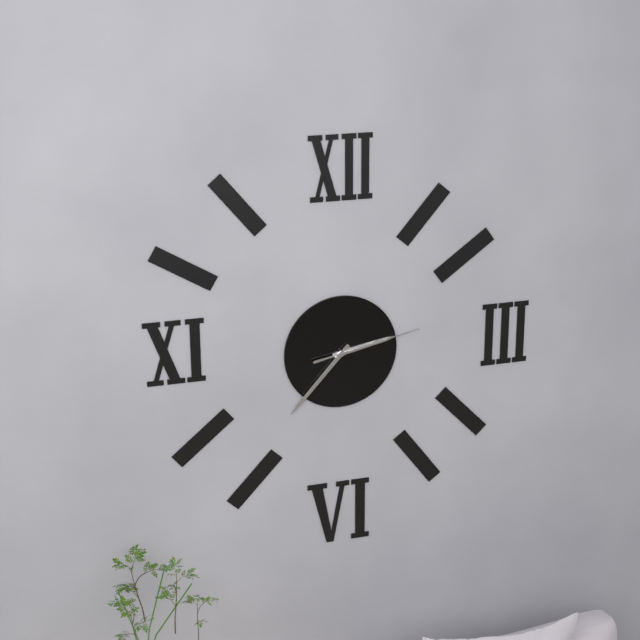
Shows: h=2 m=37 s=13
